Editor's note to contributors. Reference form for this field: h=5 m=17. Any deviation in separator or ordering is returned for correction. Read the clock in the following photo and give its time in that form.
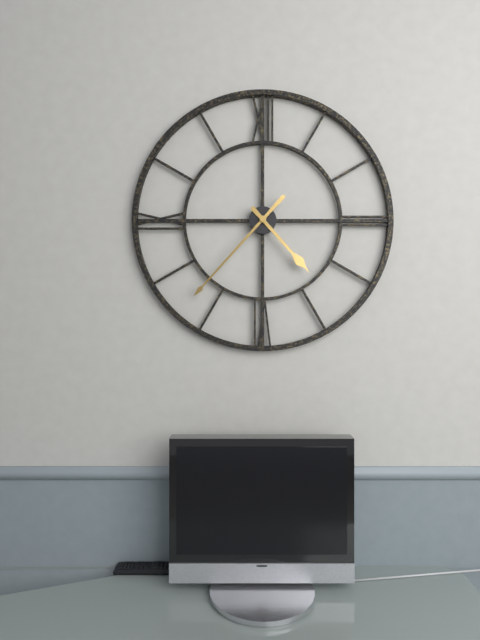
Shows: h=4 m=37
